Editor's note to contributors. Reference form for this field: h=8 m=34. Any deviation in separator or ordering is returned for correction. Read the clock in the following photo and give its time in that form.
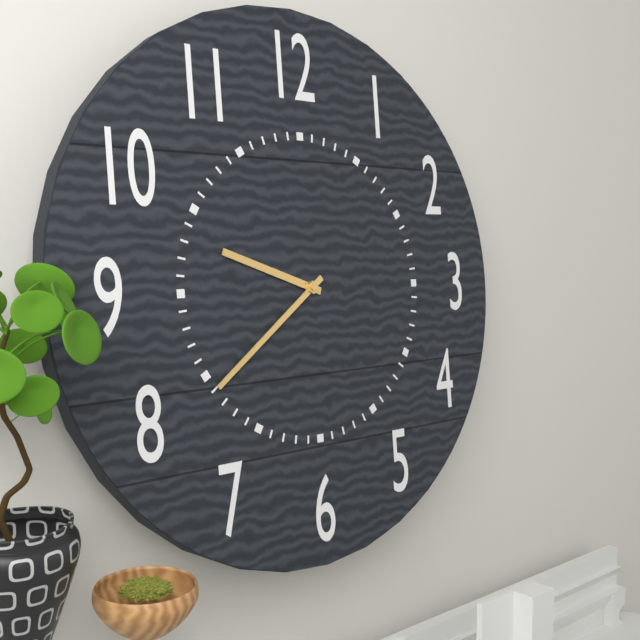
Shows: h=9 m=39
